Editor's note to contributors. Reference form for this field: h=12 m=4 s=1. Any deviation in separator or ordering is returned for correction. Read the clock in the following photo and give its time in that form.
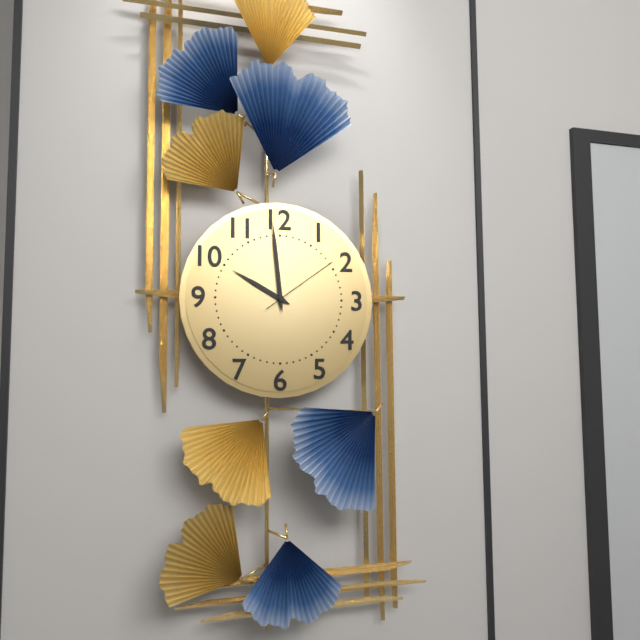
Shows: h=9 m=59 s=9
